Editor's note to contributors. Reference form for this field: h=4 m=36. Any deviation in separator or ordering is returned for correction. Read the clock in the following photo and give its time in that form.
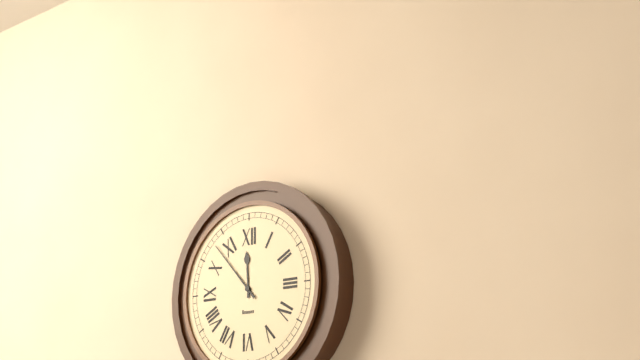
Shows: h=11 m=53
